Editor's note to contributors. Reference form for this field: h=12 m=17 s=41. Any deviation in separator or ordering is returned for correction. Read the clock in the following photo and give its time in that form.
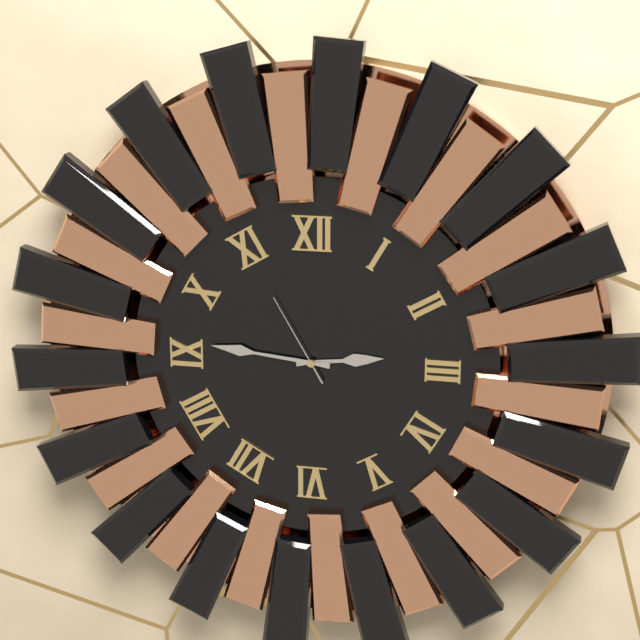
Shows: h=2 m=46 s=55
